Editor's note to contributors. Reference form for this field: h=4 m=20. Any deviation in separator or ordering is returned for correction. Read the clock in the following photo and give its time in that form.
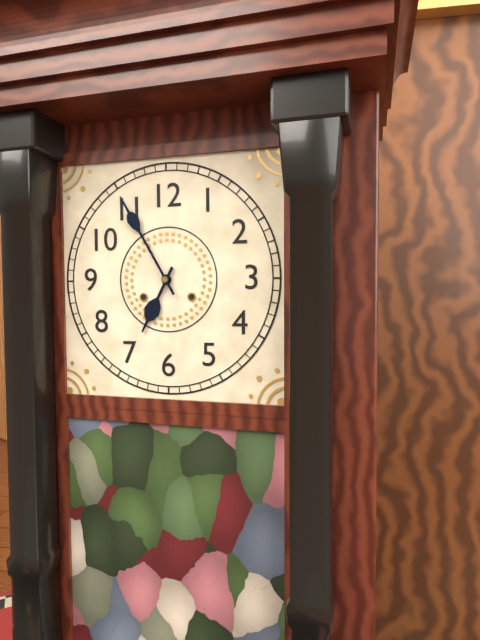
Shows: h=6 m=55
